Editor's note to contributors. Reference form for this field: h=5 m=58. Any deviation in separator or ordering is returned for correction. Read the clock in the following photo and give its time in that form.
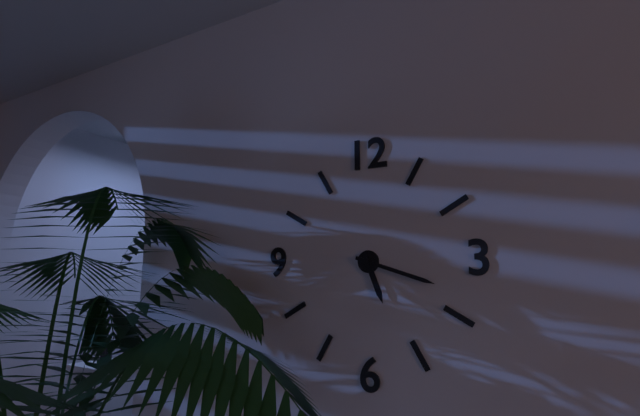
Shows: h=5 m=18
